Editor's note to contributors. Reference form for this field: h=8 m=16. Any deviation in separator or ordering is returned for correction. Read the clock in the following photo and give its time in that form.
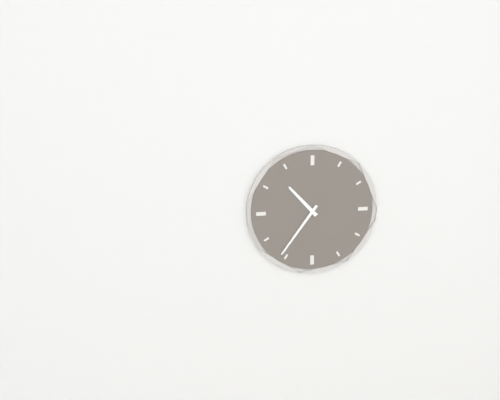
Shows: h=10 m=36
